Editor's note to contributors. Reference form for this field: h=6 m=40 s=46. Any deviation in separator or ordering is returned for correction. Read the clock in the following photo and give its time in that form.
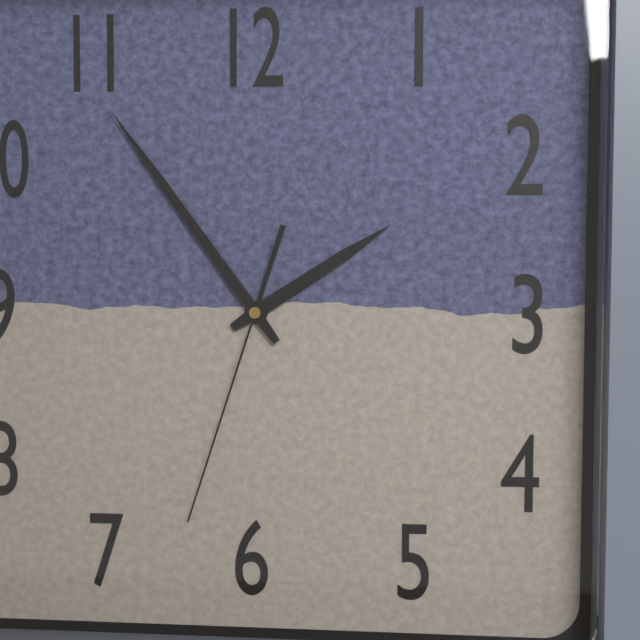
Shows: h=1 m=54 s=33
